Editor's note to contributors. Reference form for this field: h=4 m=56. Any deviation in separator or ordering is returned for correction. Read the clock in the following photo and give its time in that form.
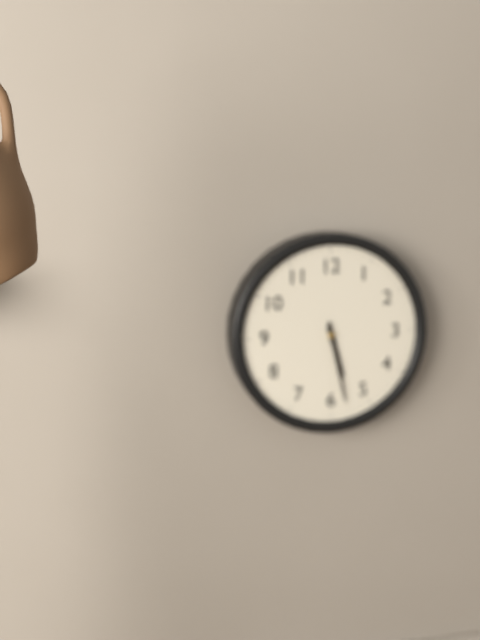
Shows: h=5 m=28
